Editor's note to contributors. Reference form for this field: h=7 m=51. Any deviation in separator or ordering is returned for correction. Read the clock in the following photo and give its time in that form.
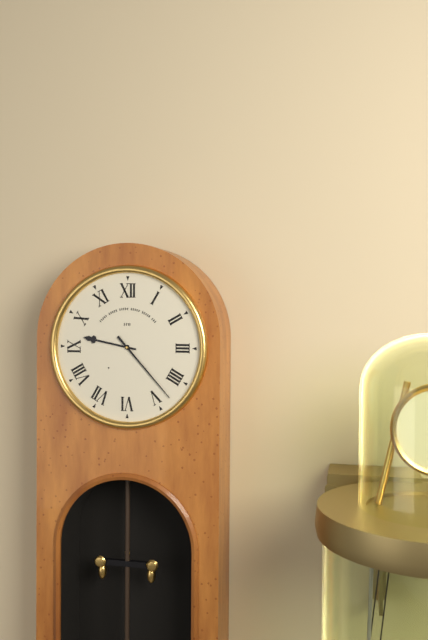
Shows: h=9 m=23
